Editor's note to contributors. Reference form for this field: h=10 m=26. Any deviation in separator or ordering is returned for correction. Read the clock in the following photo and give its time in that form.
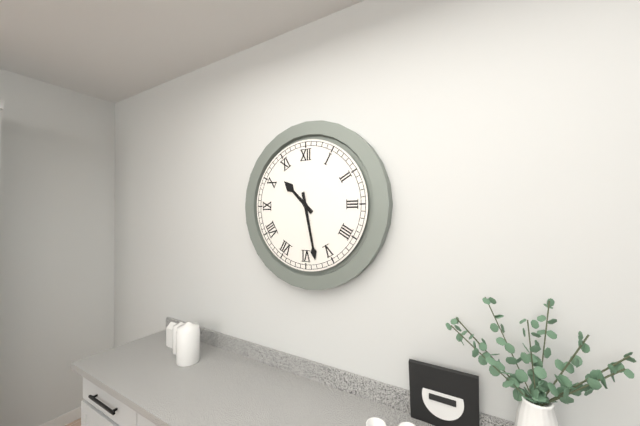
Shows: h=10 m=28
